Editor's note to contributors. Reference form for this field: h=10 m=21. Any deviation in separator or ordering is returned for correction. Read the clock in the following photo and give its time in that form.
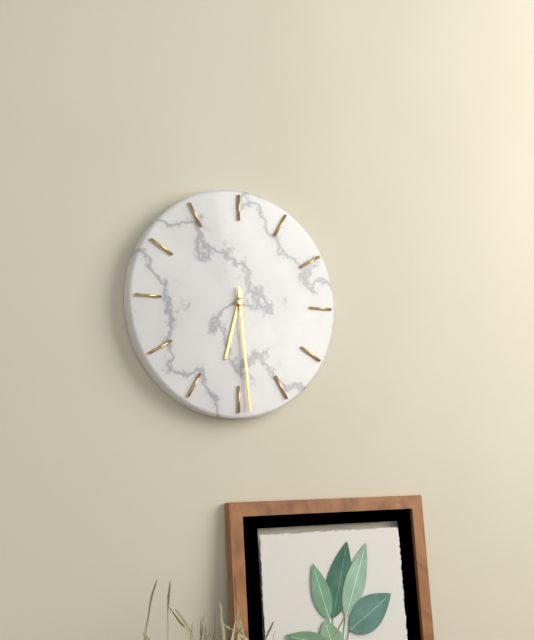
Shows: h=6 m=29
